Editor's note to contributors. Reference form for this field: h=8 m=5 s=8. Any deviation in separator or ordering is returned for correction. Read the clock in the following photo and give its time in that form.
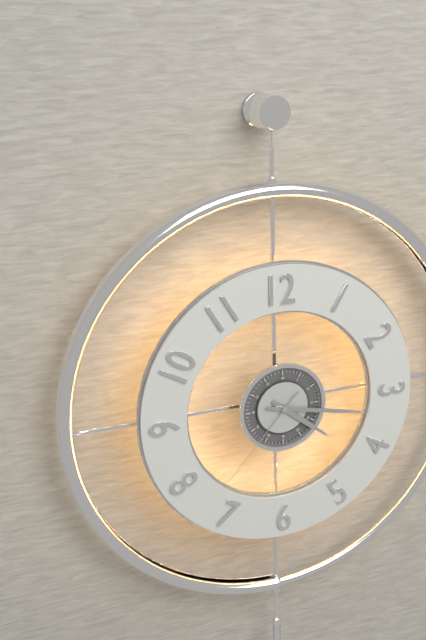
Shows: h=4 m=17 s=37
